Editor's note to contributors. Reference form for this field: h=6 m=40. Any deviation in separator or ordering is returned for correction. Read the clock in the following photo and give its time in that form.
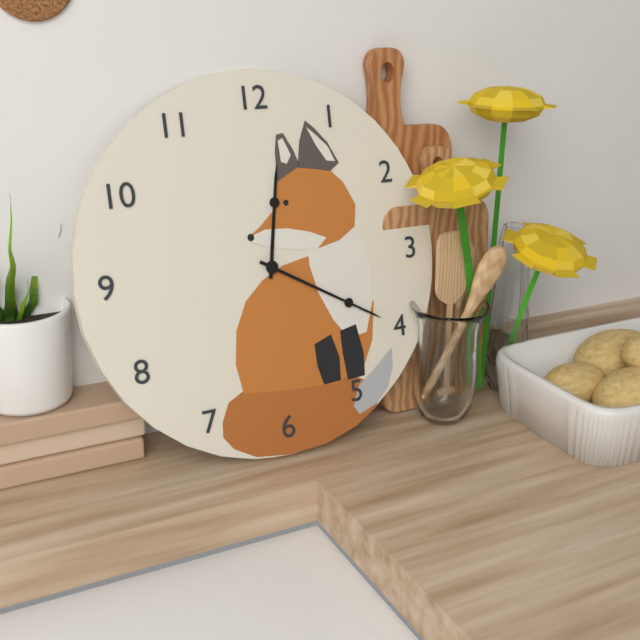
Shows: h=12 m=20
